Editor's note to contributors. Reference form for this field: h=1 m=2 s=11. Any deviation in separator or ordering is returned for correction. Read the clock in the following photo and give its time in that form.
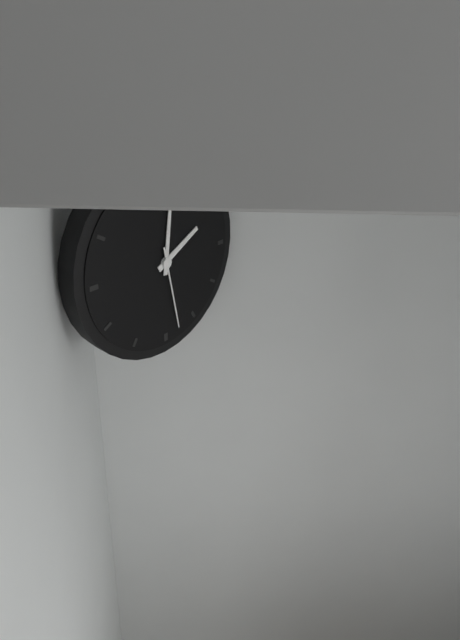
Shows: h=2 m=1 s=28
